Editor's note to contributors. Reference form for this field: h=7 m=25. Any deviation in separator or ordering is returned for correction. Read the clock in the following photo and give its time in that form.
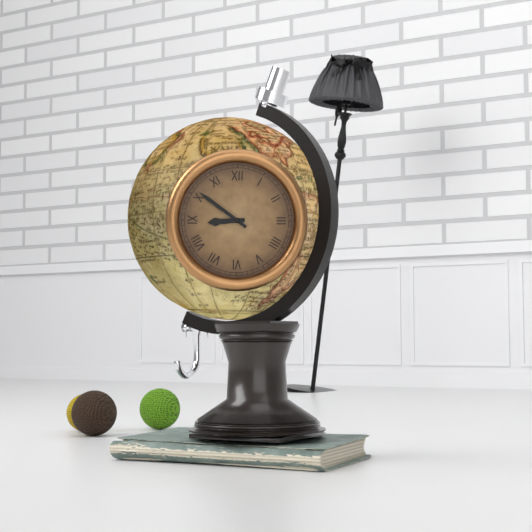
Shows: h=8 m=51
